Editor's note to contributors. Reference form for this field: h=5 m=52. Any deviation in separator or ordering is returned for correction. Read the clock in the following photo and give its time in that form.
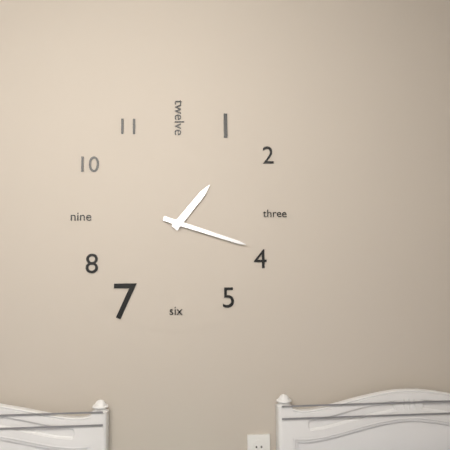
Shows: h=1 m=18
